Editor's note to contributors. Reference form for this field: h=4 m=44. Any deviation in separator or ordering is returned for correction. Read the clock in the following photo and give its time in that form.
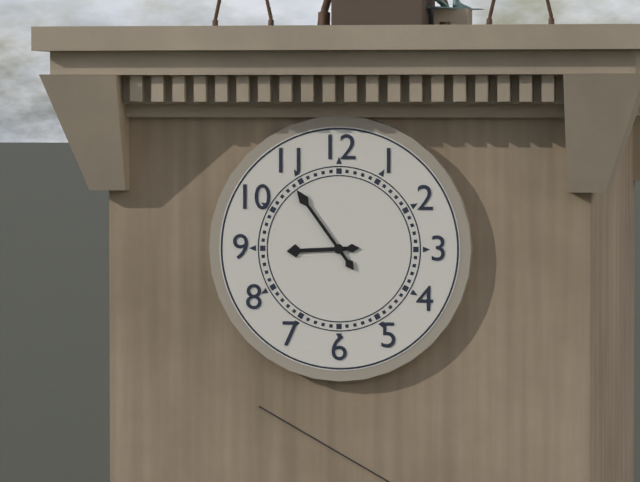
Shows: h=8 m=54
